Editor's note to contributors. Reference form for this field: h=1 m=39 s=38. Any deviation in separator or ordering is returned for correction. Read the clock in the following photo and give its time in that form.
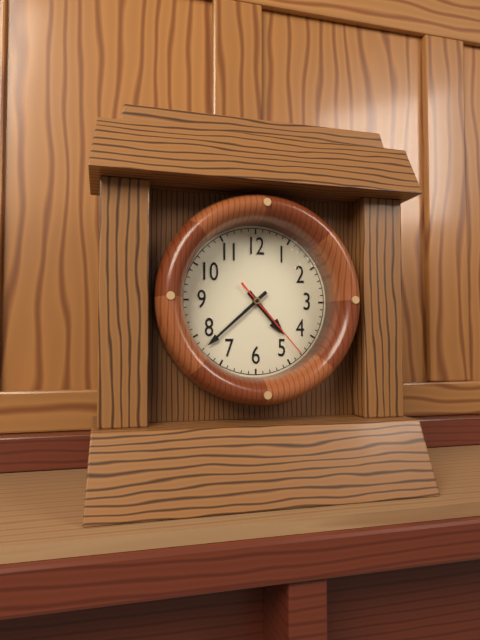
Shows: h=4 m=38 s=23
